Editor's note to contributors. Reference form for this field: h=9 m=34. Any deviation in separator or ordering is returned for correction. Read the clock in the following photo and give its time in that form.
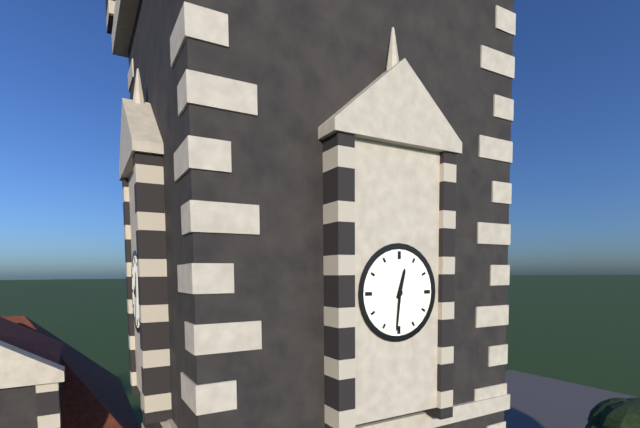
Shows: h=12 m=31
